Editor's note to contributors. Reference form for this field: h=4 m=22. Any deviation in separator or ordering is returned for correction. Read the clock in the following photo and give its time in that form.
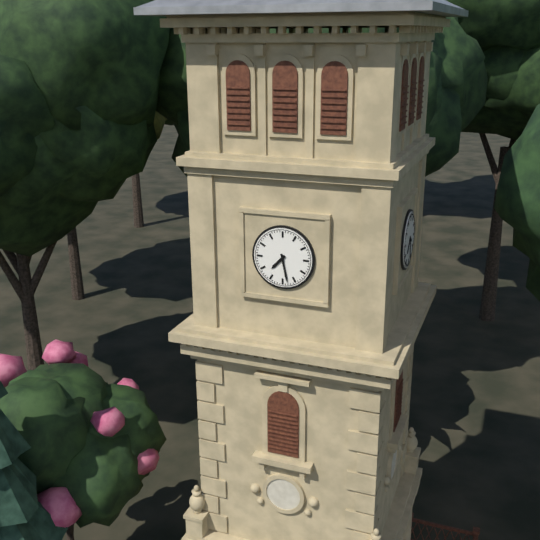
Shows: h=7 m=28
